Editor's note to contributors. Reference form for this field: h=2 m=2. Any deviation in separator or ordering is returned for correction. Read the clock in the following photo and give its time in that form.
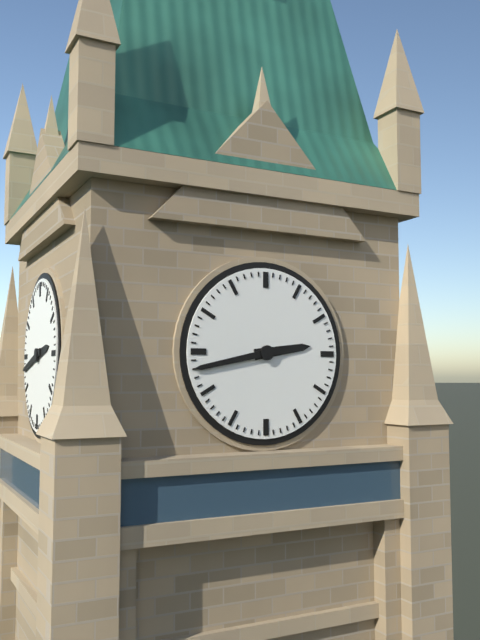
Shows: h=2 m=43
